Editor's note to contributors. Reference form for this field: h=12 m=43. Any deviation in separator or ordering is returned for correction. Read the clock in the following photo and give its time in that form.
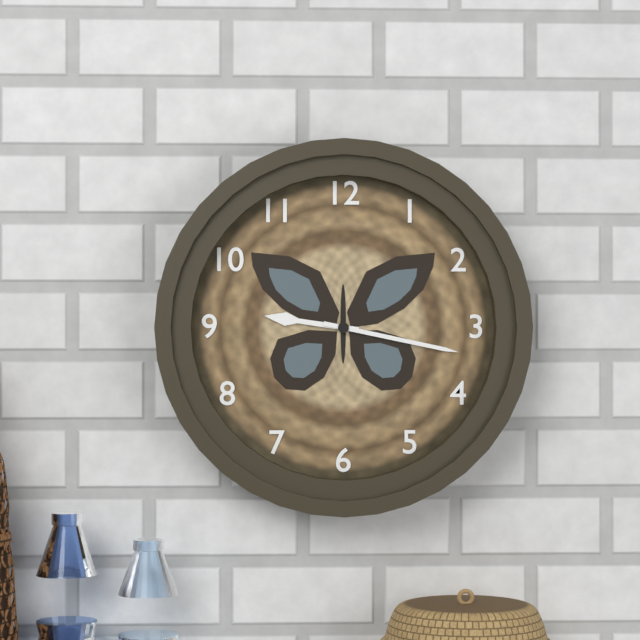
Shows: h=9 m=17
